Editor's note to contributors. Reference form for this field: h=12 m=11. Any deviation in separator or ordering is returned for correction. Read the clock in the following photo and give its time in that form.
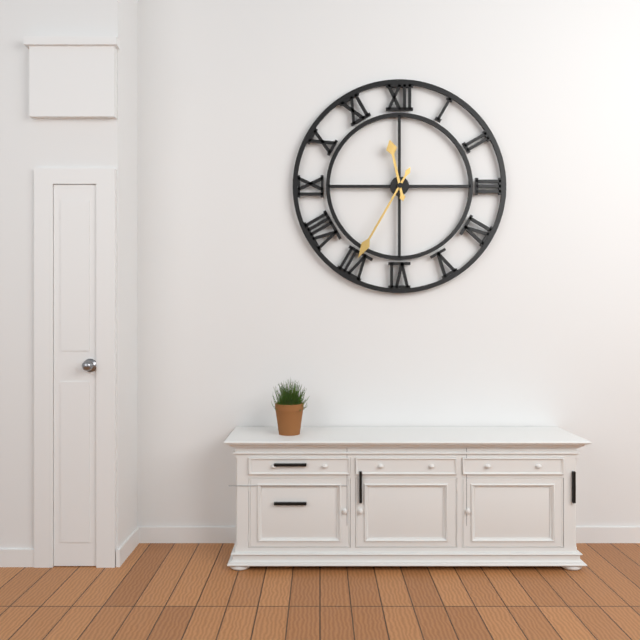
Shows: h=11 m=35
